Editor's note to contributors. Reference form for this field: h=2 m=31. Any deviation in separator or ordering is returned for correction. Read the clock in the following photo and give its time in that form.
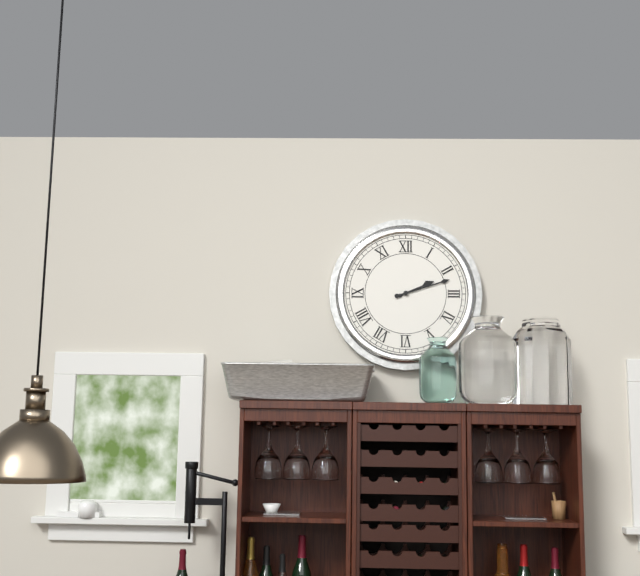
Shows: h=2 m=12
